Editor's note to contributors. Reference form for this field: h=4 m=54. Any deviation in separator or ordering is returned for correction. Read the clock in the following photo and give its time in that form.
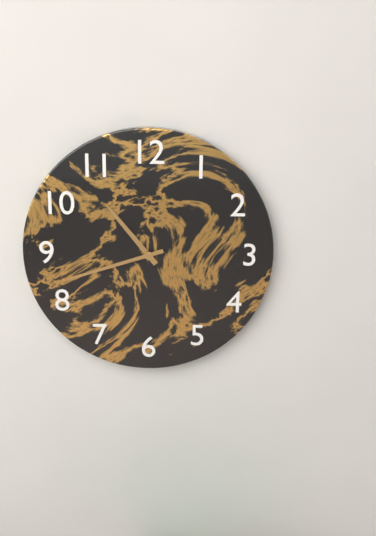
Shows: h=10 m=42
